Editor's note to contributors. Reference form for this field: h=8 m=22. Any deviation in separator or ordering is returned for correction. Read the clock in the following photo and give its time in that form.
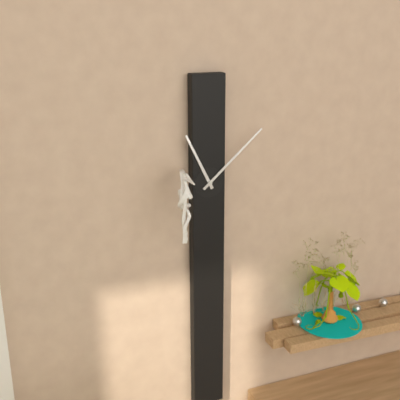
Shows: h=11 m=8
